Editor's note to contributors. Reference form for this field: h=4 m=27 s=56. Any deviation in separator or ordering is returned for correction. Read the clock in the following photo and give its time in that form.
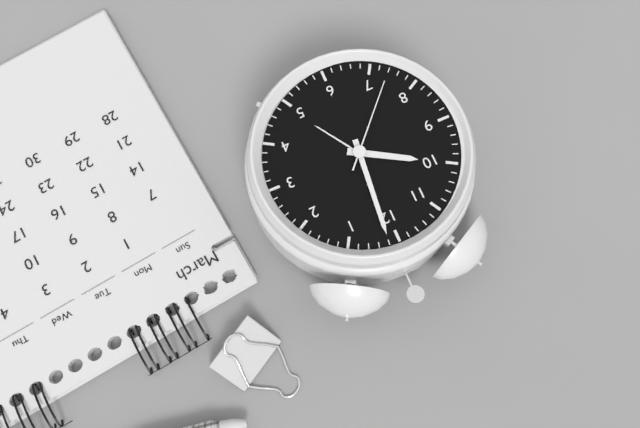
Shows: h=10 m=1 s=37
